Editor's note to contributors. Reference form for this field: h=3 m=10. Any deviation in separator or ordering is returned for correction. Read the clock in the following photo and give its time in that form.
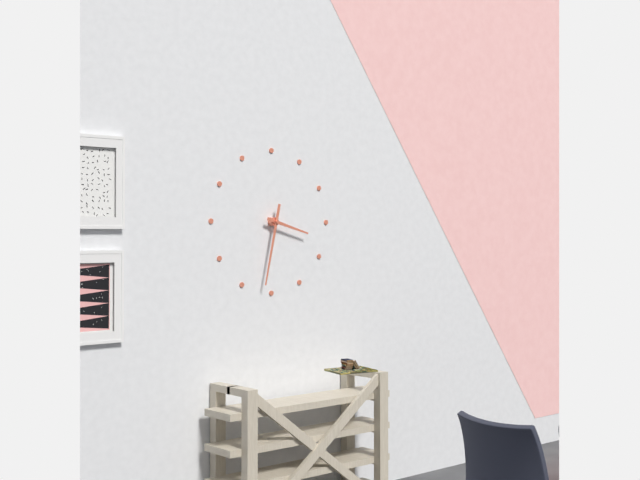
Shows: h=3 m=32
